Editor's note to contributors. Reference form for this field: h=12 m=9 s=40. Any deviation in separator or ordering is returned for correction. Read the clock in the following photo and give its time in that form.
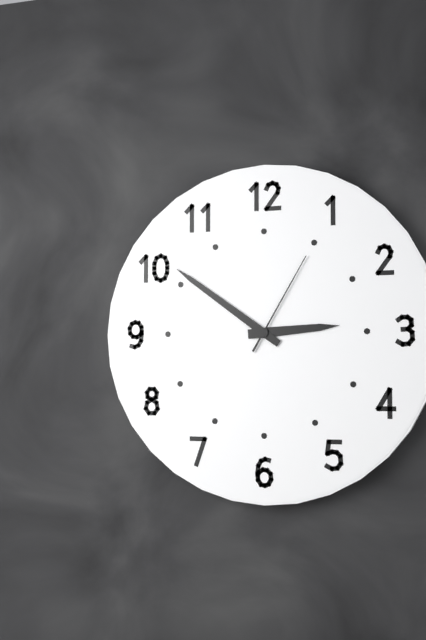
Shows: h=2 m=51 s=5
